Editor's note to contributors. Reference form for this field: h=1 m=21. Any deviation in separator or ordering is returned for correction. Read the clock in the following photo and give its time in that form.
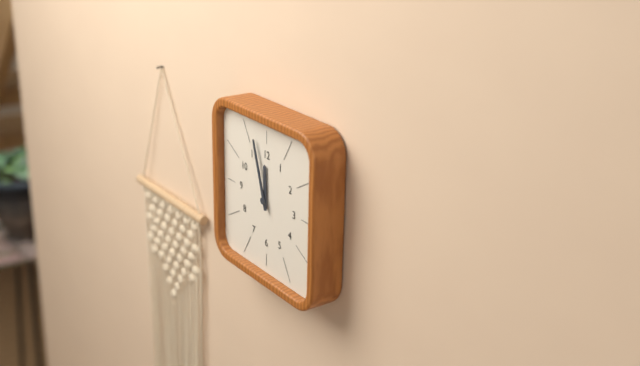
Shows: h=11 m=57
